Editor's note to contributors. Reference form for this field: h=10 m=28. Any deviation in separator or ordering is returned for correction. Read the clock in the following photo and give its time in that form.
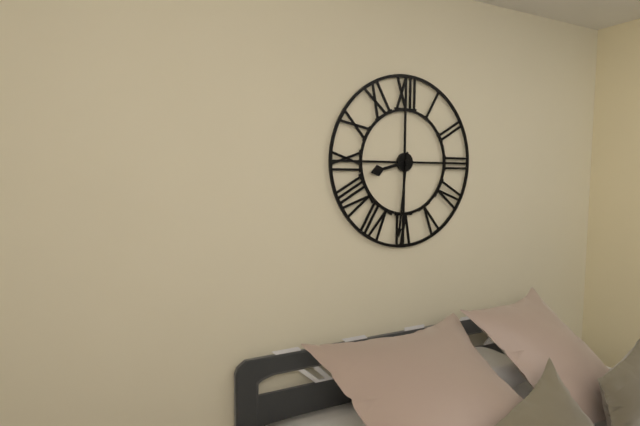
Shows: h=8 m=31
